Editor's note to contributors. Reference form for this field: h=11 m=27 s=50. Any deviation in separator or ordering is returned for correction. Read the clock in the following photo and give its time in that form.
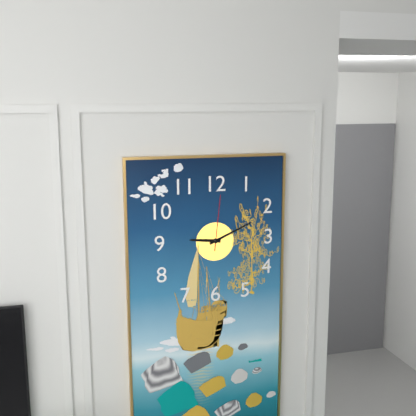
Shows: h=9 m=11 s=1
